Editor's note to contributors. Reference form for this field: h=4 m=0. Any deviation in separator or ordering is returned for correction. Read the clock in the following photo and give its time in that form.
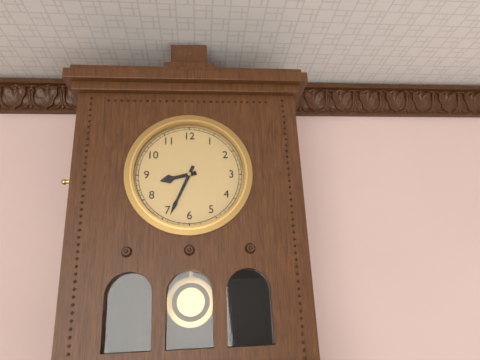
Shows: h=8 m=34
